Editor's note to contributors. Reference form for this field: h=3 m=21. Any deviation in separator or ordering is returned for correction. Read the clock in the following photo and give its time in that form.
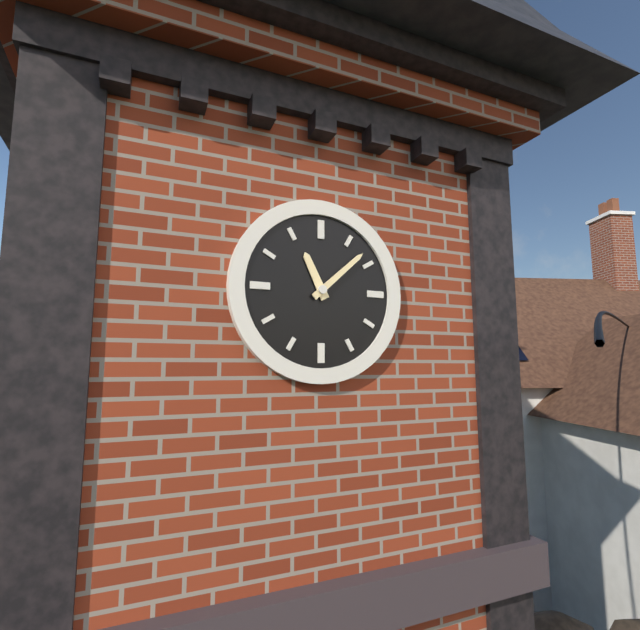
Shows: h=11 m=8
